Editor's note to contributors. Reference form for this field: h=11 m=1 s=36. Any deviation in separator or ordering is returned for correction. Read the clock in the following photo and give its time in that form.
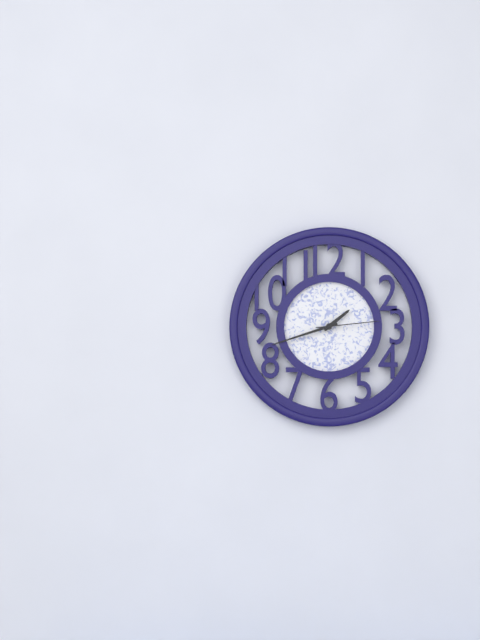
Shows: h=1 m=42 s=14
